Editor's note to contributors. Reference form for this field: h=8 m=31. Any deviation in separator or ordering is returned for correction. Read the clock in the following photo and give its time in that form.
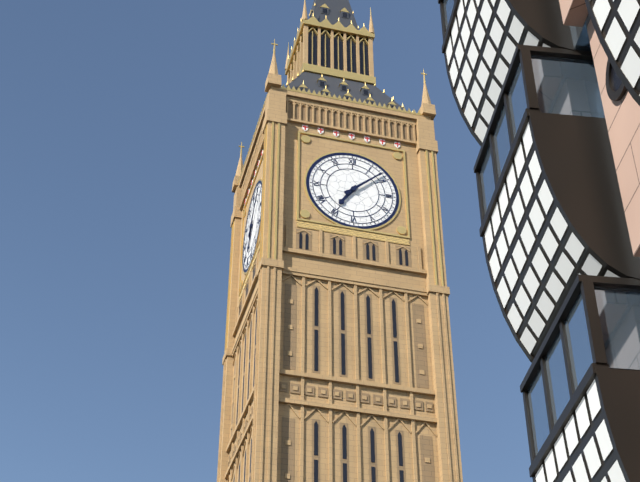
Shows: h=7 m=8
